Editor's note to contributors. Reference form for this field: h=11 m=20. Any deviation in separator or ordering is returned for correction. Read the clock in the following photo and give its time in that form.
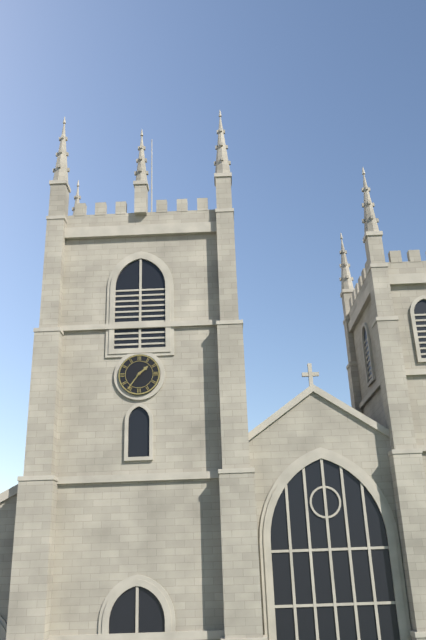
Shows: h=1 m=36
